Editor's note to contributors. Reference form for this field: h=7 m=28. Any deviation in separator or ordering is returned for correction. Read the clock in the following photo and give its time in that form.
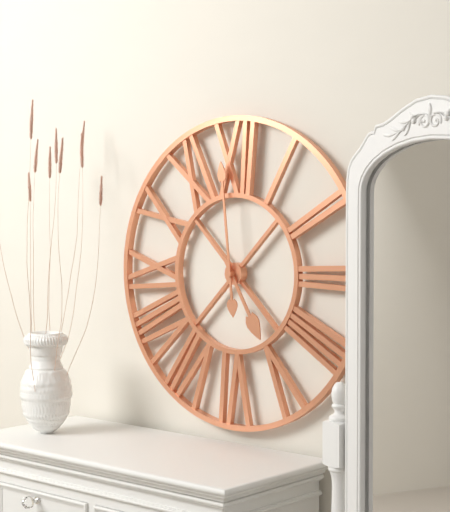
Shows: h=4 m=59
